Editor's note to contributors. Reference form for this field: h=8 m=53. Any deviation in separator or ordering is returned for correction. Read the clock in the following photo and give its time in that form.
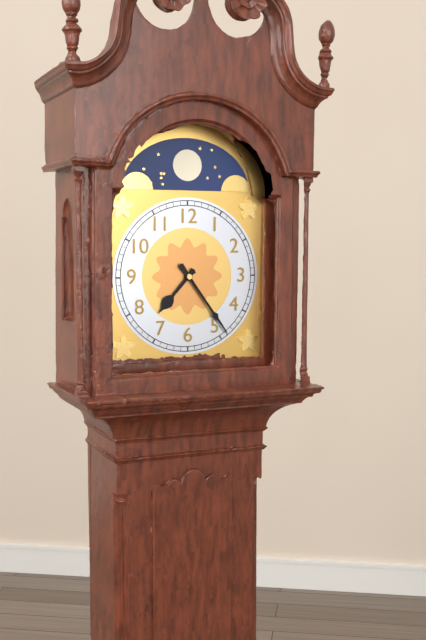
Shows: h=7 m=24
